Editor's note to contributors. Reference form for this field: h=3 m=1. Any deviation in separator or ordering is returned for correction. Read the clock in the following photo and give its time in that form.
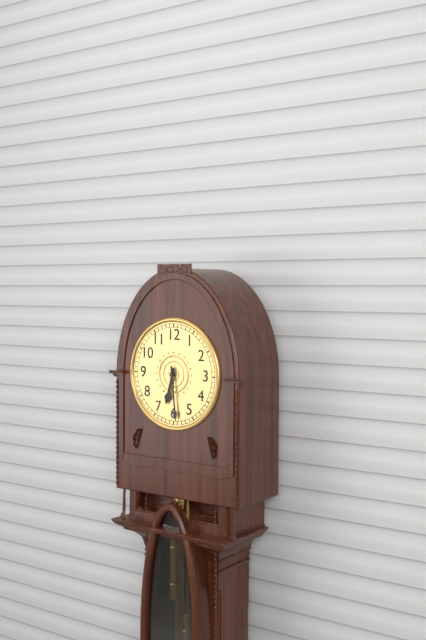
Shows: h=6 m=29
